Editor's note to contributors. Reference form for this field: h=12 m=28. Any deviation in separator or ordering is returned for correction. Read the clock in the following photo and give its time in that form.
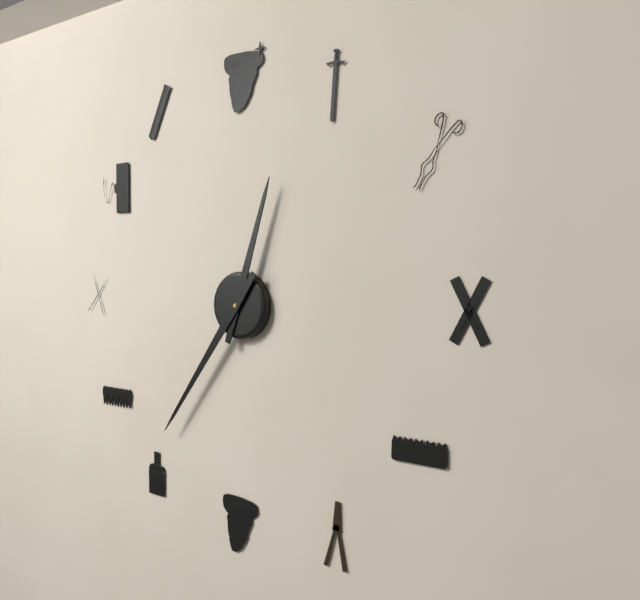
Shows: h=12 m=36
